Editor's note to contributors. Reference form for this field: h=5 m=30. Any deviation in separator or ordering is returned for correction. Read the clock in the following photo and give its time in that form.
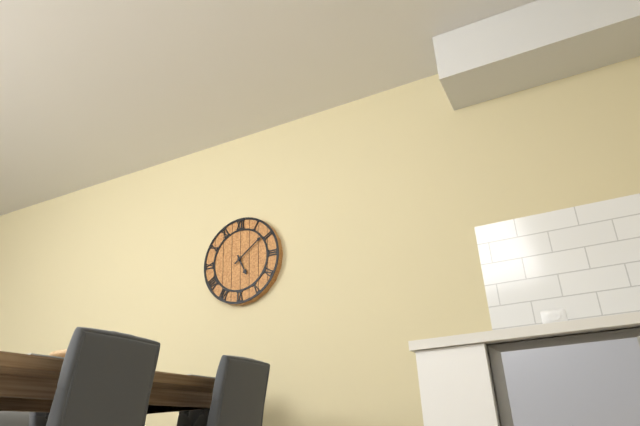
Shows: h=5 m=9
